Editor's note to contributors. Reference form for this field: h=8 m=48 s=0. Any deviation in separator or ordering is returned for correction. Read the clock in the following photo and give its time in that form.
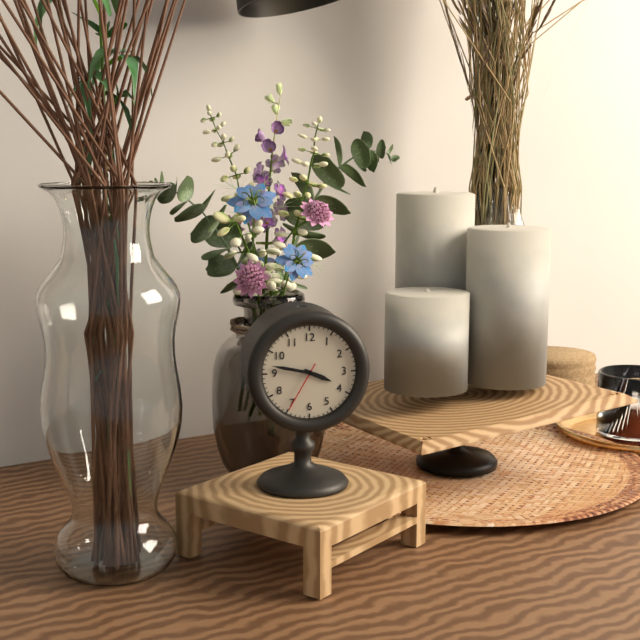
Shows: h=3 m=47 s=35
